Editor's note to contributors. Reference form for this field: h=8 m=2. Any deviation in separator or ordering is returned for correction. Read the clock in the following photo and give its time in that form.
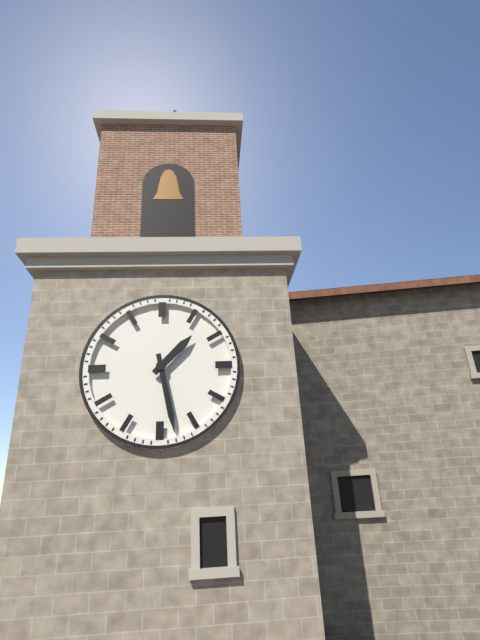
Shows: h=1 m=28
